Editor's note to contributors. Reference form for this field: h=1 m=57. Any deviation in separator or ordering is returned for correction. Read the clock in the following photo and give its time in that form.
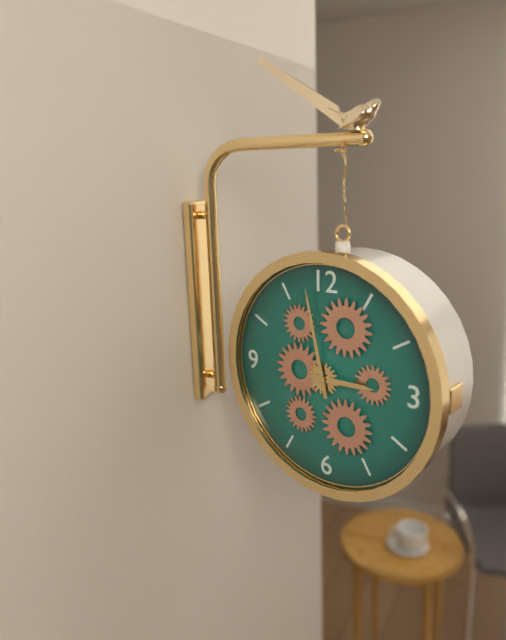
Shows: h=2 m=58
